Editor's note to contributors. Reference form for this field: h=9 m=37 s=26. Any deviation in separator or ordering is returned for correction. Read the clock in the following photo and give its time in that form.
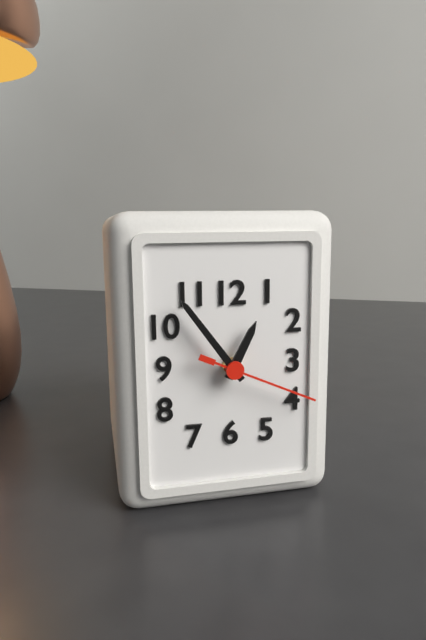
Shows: h=12 m=54 s=19
